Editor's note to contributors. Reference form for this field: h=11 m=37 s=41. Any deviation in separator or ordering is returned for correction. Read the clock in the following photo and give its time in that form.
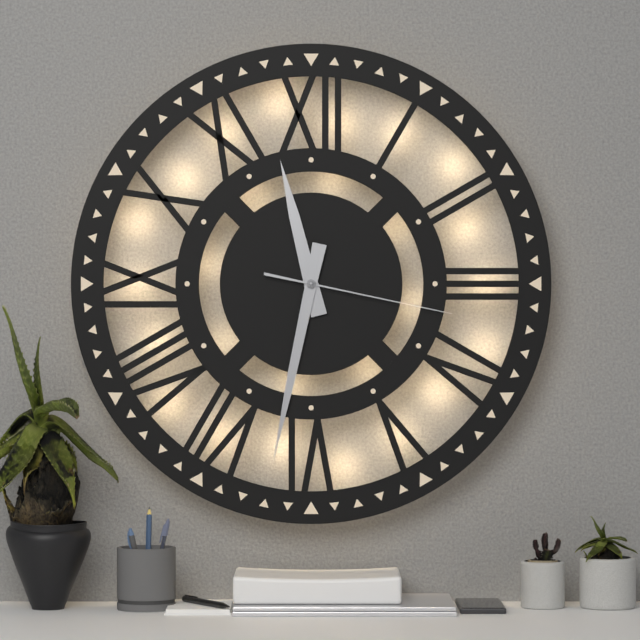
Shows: h=11 m=32 s=17
